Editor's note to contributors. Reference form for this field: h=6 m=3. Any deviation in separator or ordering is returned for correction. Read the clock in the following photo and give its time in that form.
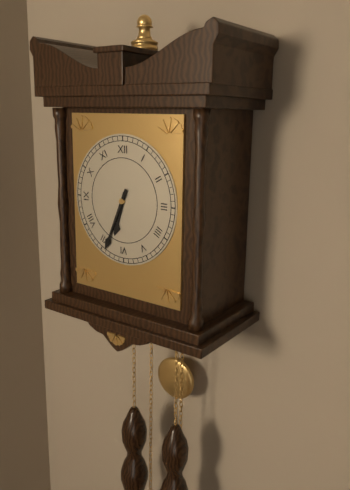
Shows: h=6 m=34
